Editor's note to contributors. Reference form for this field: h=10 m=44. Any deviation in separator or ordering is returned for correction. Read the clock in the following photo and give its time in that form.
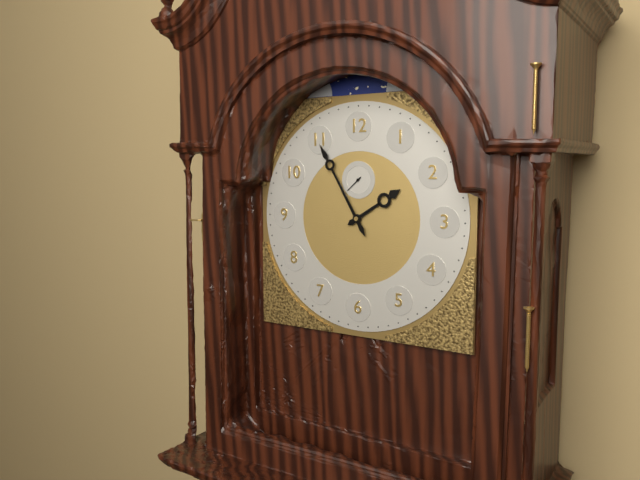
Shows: h=1 m=55
